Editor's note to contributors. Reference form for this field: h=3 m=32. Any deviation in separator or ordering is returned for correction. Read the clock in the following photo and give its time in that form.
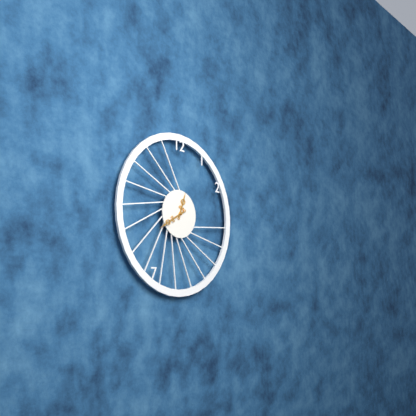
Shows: h=12 m=40
